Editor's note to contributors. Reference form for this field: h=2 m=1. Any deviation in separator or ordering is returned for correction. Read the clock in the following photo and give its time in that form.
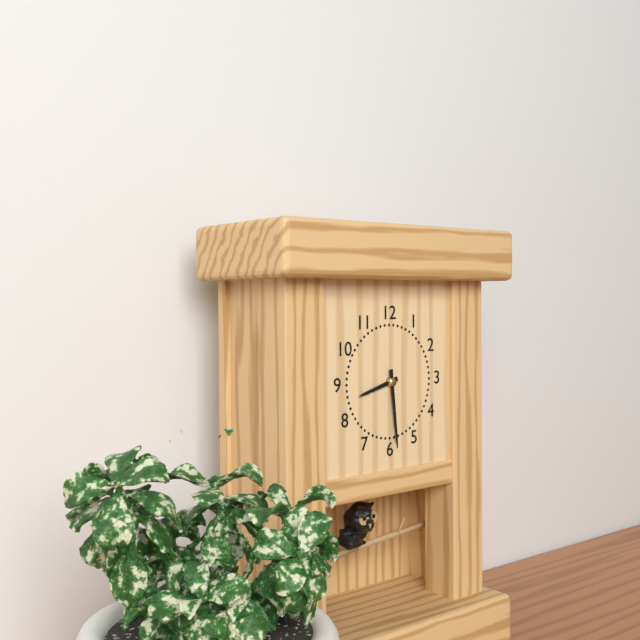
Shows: h=8 m=29
